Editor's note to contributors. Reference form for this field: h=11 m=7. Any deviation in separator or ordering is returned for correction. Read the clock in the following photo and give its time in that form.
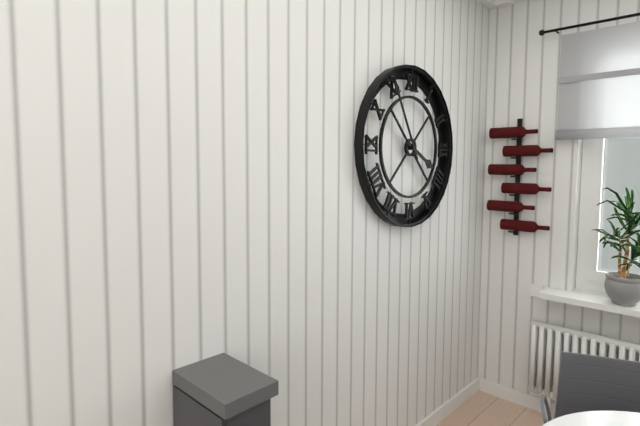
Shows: h=3 m=55
